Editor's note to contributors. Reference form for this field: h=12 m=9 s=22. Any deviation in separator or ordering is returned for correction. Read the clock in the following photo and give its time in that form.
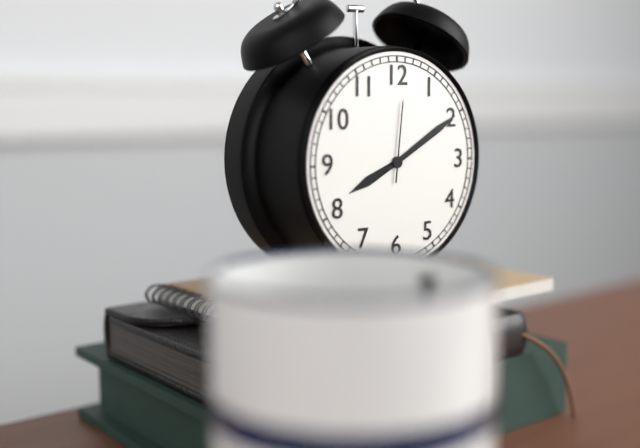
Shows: h=8 m=10 s=1
